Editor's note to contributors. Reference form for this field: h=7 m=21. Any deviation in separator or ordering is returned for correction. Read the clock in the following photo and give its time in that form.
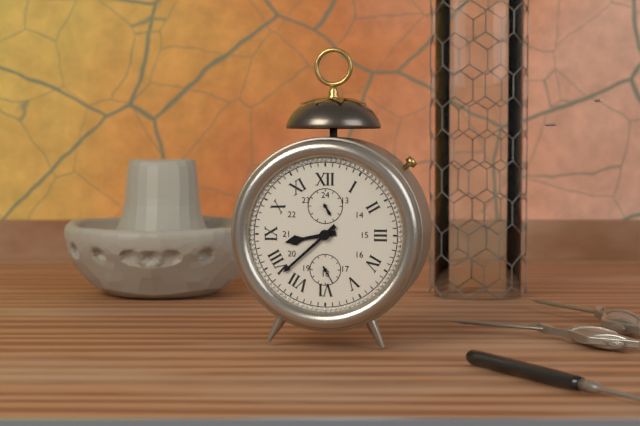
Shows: h=8 m=38
